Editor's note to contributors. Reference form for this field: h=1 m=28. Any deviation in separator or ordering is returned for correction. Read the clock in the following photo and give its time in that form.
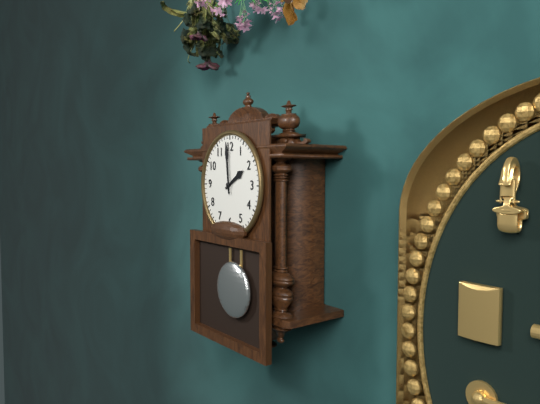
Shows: h=1 m=59
